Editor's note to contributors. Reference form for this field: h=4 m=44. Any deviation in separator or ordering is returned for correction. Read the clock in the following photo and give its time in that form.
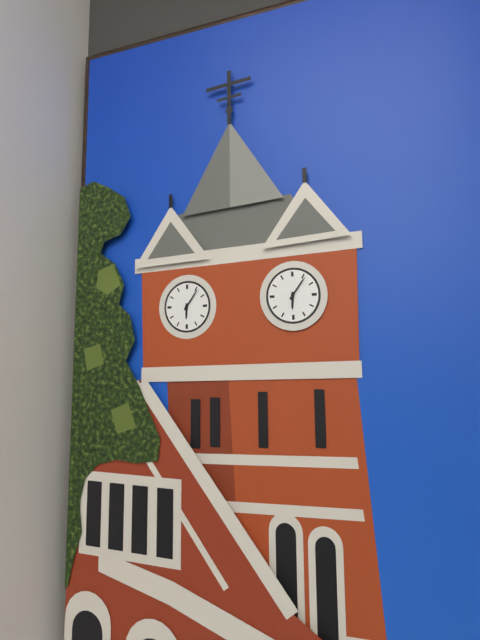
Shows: h=6 m=6
